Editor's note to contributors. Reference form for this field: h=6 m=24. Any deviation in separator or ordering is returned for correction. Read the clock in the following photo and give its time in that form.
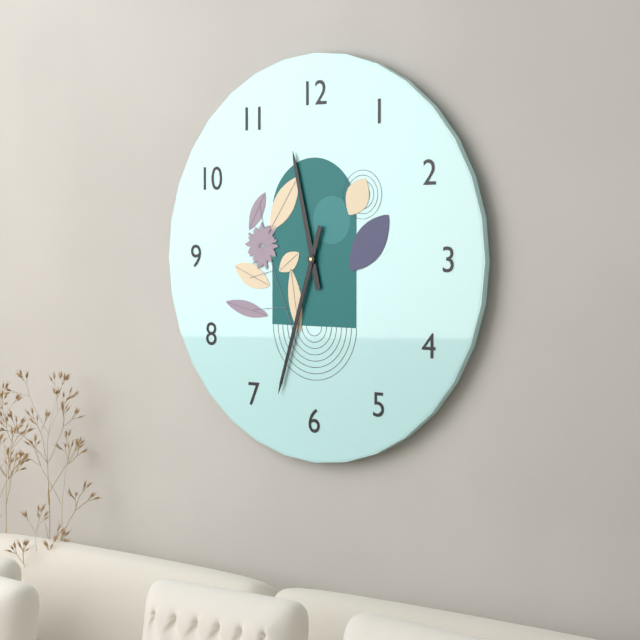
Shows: h=11 m=33
